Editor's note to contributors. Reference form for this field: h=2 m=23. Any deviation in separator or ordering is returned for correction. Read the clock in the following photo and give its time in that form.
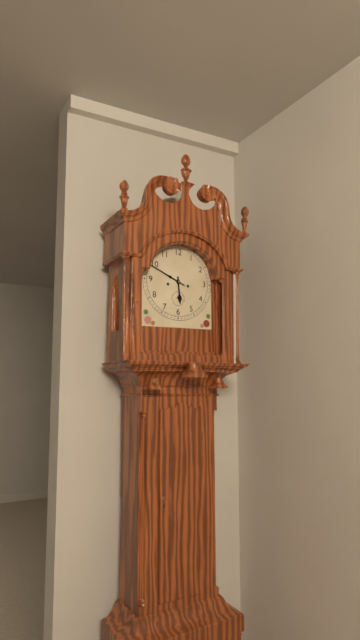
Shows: h=5 m=49
